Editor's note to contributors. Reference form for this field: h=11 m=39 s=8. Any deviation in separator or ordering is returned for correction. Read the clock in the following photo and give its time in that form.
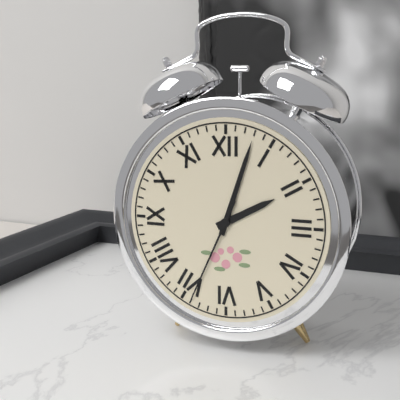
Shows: h=2 m=3 s=34
